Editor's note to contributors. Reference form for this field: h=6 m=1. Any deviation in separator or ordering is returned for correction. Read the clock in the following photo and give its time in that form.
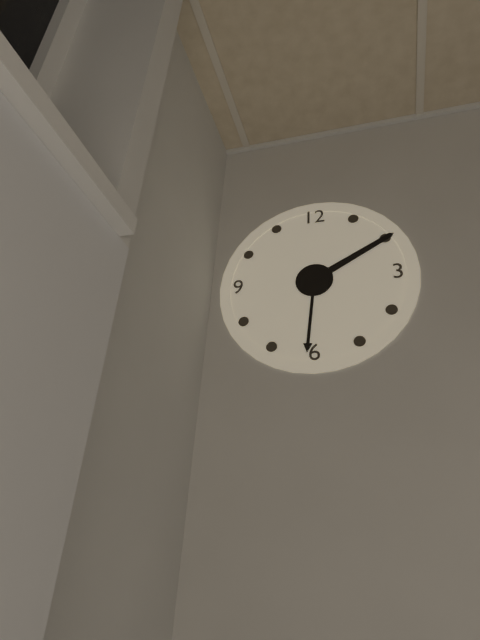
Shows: h=6 m=10
